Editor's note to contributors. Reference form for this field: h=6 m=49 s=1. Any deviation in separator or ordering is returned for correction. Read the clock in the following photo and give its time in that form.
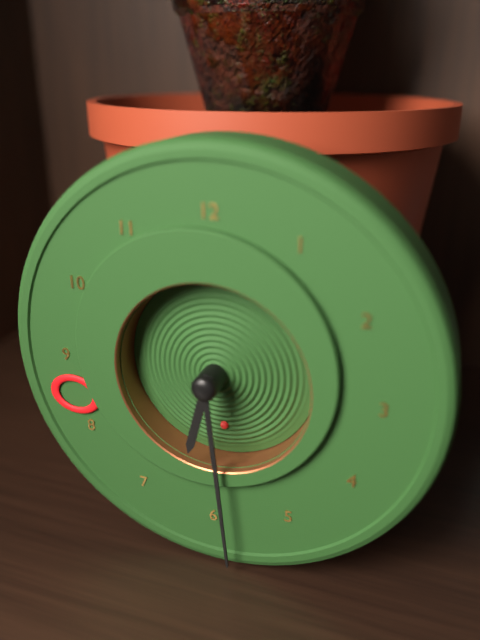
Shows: h=6 m=29 s=29
